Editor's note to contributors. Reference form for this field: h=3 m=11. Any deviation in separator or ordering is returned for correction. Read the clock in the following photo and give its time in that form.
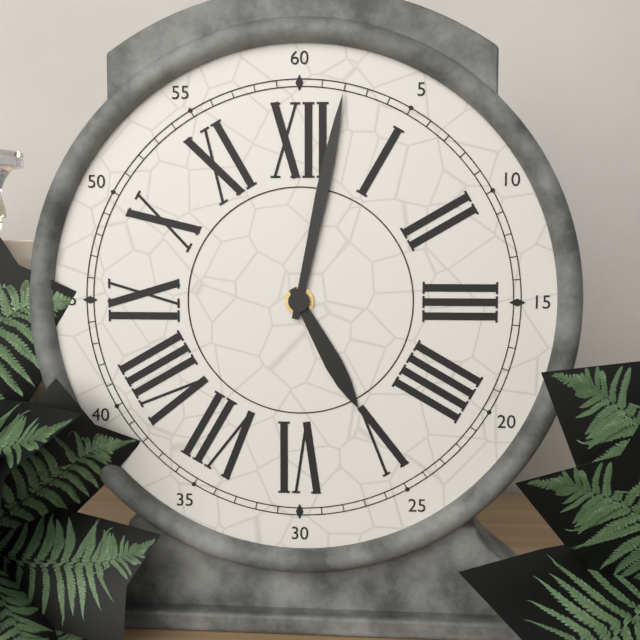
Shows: h=5 m=2
